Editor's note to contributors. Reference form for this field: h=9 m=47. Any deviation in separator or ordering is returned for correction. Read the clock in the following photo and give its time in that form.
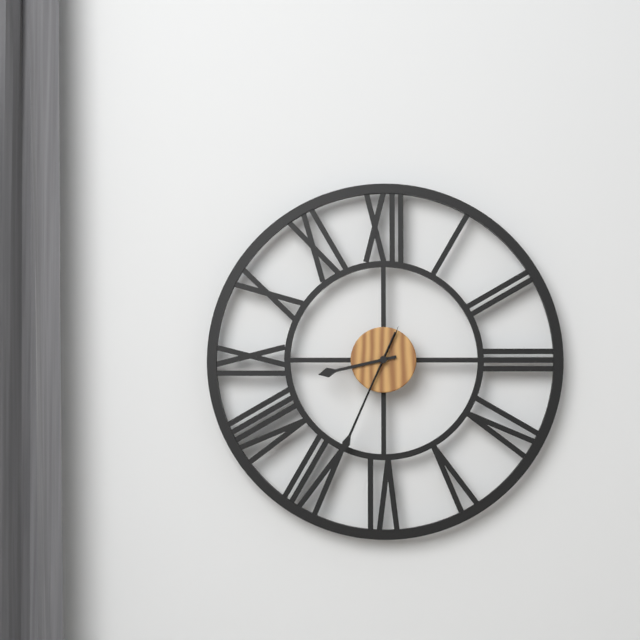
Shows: h=8 m=34
